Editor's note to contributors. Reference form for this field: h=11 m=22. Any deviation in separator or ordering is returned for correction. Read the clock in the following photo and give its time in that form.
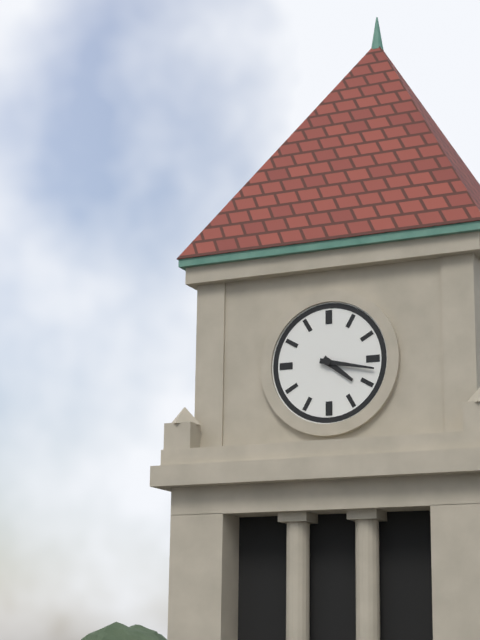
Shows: h=4 m=17
